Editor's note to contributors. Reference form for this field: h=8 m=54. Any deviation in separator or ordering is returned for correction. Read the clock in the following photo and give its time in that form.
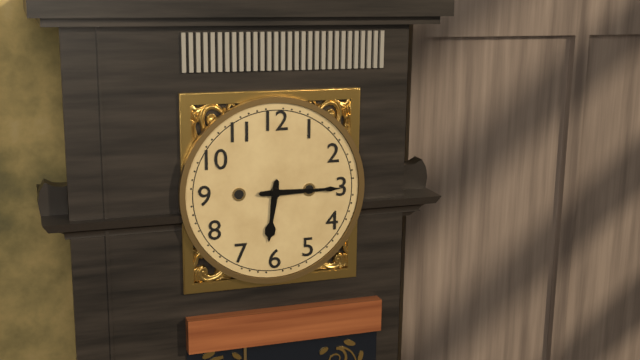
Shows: h=6 m=15
